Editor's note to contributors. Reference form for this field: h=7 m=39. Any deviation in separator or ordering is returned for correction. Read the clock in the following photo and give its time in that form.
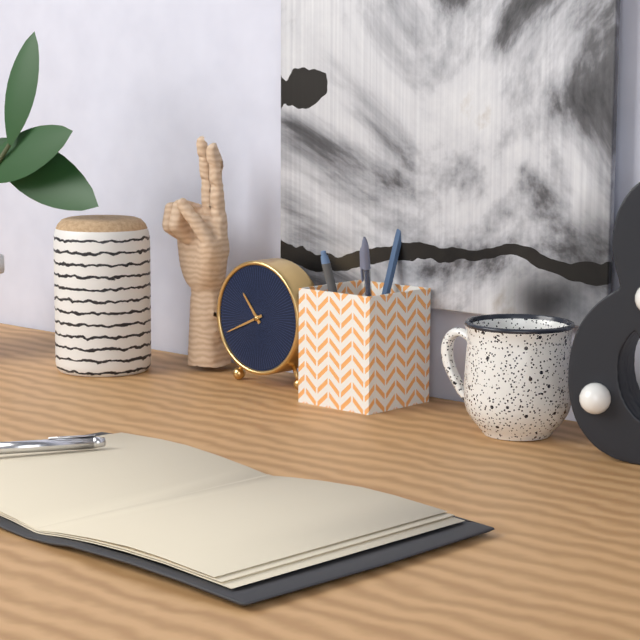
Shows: h=10 m=41
